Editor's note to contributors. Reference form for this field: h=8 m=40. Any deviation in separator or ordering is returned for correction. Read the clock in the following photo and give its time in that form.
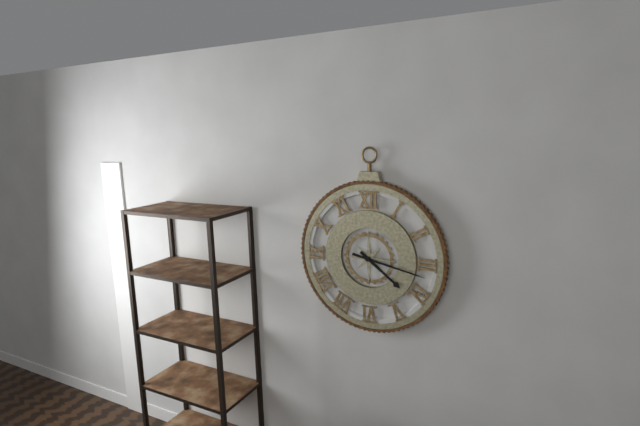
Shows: h=4 m=17
